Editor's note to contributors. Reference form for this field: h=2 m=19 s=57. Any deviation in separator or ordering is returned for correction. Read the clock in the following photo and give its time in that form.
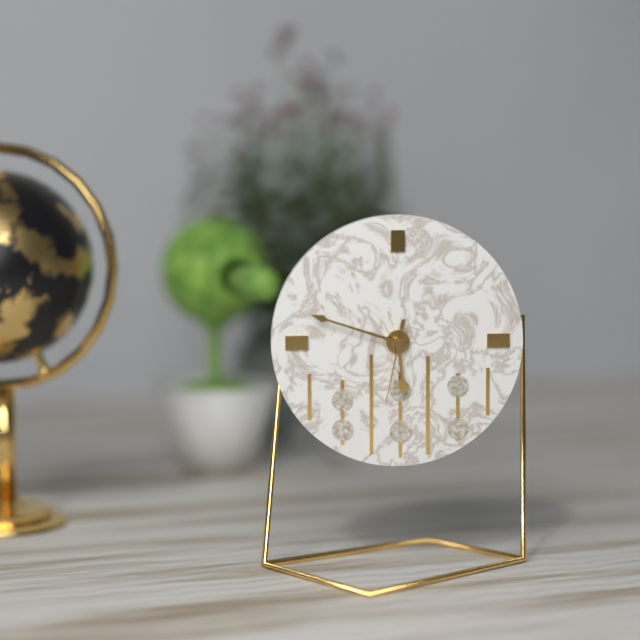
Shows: h=5 m=48 s=32
